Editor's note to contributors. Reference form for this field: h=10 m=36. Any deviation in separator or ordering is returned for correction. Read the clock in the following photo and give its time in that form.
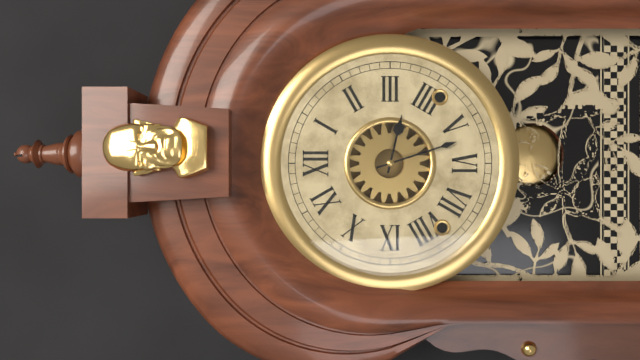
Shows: h=3 m=27
